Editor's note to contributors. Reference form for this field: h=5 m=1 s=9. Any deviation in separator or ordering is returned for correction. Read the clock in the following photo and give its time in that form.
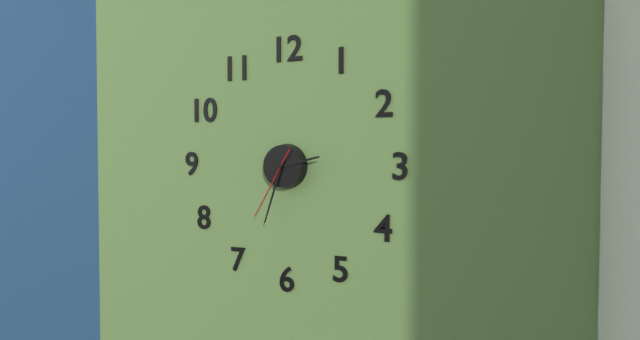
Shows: h=2 m=33 s=35
